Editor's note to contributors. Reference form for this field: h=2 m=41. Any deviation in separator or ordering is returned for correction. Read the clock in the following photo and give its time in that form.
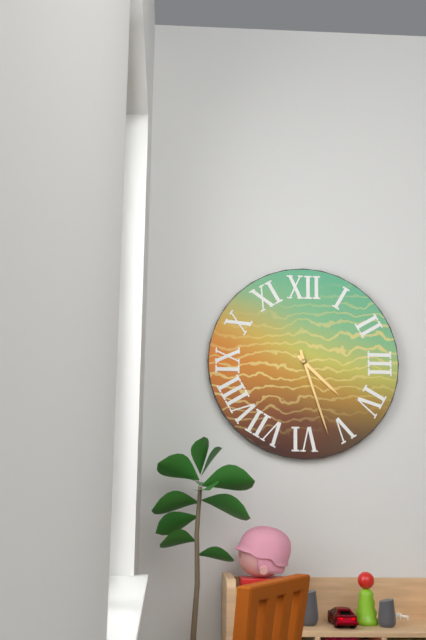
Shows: h=4 m=27
